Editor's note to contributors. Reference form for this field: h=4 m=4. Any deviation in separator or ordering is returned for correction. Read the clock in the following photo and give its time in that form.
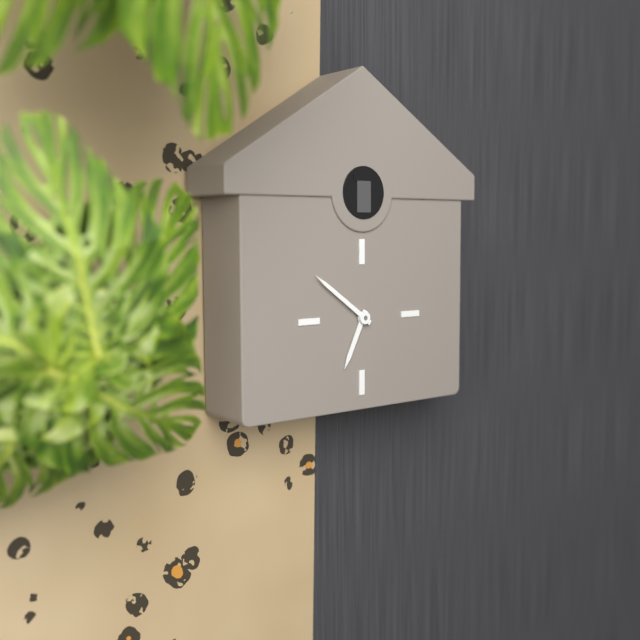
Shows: h=6 m=51
